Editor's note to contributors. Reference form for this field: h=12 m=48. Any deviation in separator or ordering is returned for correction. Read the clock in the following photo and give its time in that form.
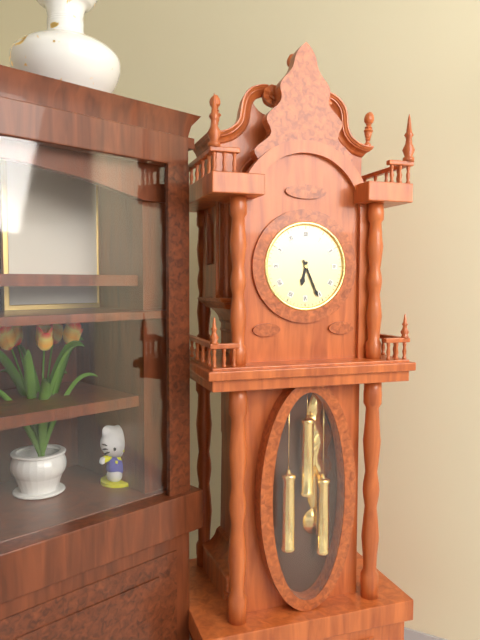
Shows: h=6 m=26
